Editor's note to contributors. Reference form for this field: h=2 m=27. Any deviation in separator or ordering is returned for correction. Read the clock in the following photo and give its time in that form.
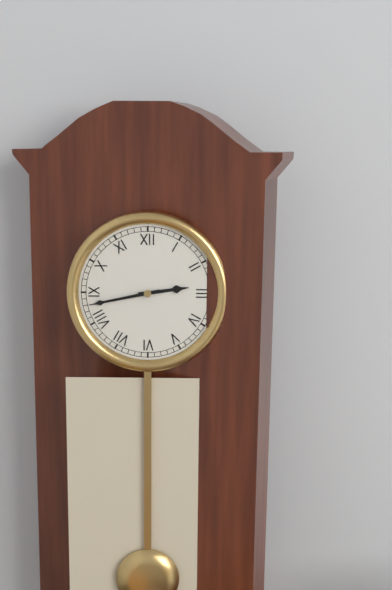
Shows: h=2 m=43
